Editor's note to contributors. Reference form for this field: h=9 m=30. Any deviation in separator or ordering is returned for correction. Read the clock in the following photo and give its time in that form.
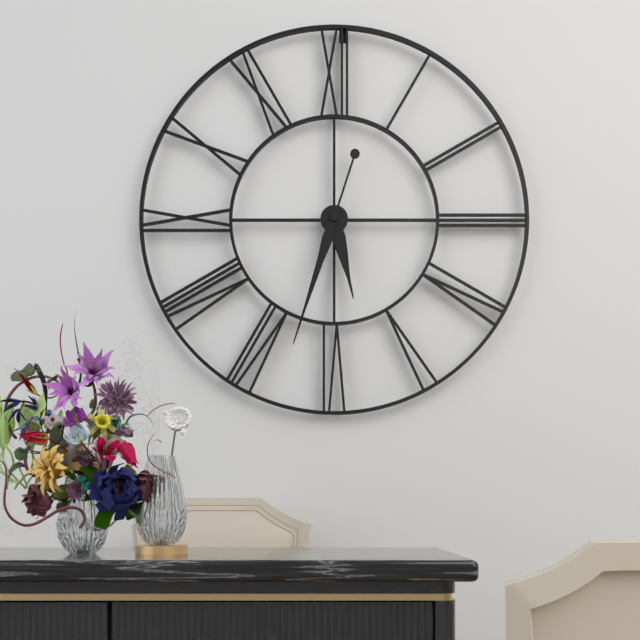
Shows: h=5 m=33
